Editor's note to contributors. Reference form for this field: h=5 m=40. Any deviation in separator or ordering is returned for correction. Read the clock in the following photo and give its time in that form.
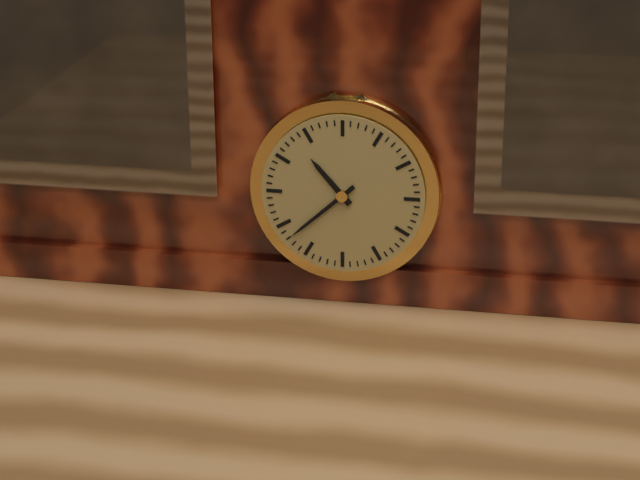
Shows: h=10 m=38
